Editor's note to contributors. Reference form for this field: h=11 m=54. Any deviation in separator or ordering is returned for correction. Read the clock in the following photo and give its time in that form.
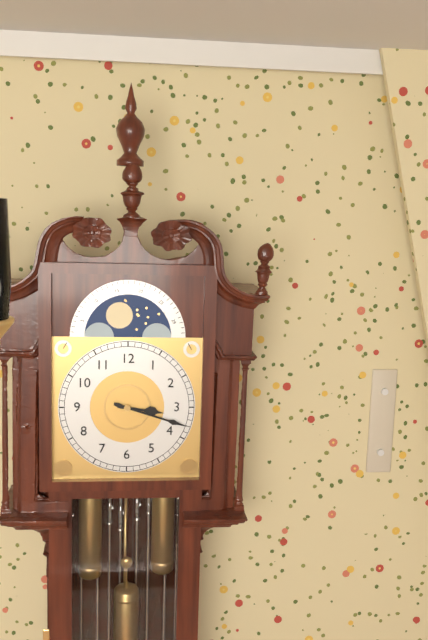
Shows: h=3 m=18
